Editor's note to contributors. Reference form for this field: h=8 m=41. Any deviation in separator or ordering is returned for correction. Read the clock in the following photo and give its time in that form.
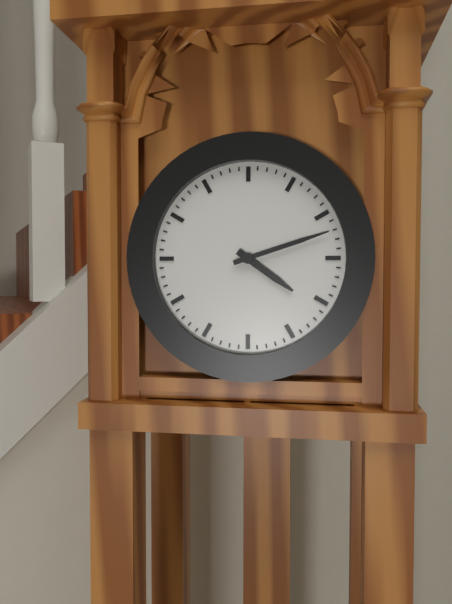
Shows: h=4 m=12
